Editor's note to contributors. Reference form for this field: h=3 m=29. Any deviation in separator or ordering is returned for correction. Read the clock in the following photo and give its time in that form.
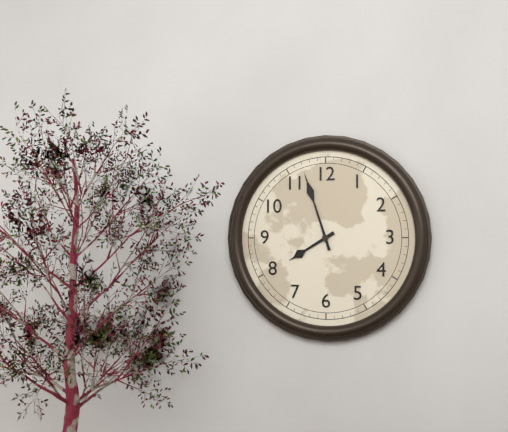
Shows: h=7 m=57
